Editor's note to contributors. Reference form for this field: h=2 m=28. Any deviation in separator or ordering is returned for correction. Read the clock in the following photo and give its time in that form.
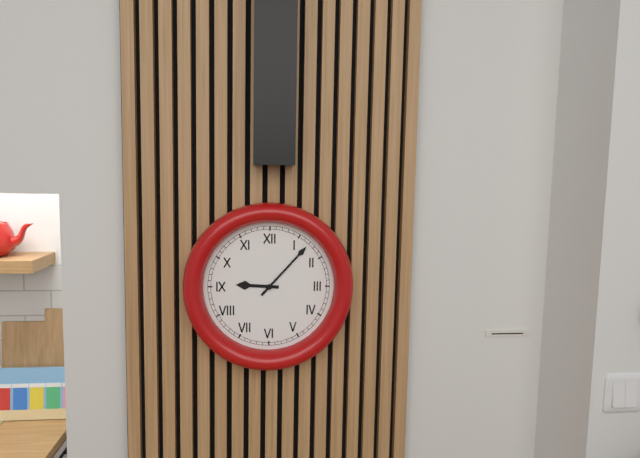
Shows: h=9 m=7
